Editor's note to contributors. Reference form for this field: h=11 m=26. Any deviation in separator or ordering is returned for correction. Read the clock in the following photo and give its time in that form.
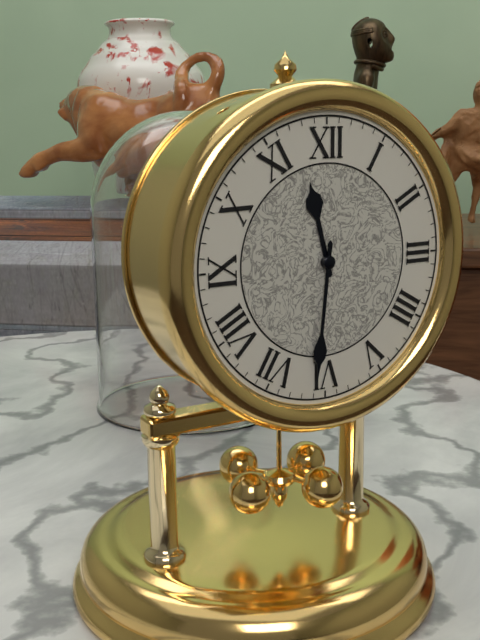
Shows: h=11 m=31
